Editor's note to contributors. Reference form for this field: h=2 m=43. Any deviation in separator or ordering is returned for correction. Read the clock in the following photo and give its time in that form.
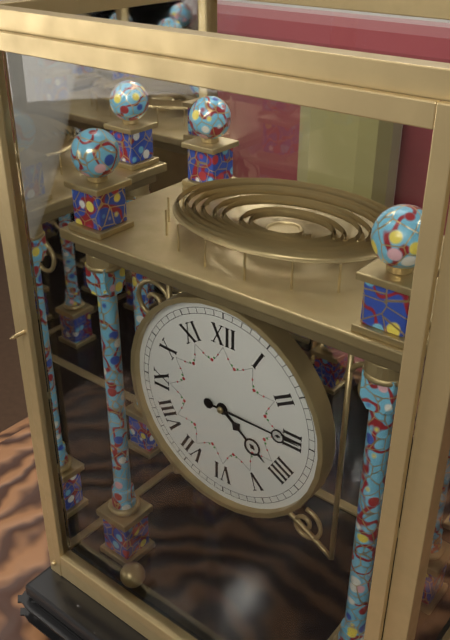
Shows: h=4 m=15
